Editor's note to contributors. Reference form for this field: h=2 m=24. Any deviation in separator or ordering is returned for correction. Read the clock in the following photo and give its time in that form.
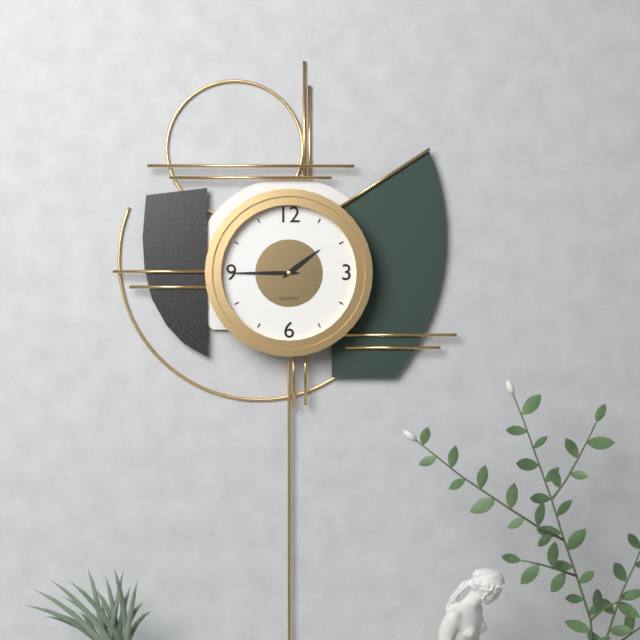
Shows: h=1 m=45
